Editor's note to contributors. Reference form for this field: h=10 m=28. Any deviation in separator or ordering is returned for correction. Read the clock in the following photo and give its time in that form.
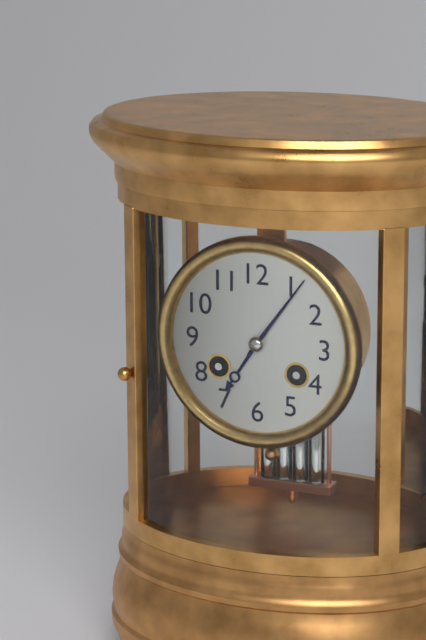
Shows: h=7 m=6
